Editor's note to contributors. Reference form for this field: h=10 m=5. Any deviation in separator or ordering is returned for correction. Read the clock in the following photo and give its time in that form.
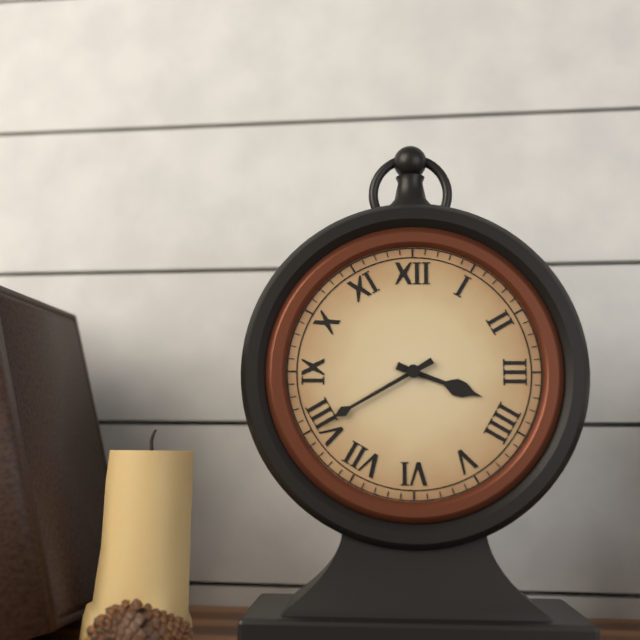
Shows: h=3 m=40
